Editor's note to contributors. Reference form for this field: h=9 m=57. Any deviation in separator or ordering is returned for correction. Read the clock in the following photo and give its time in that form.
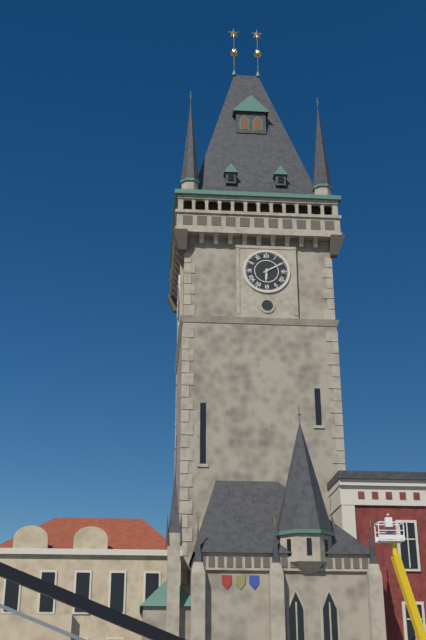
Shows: h=6 m=10
